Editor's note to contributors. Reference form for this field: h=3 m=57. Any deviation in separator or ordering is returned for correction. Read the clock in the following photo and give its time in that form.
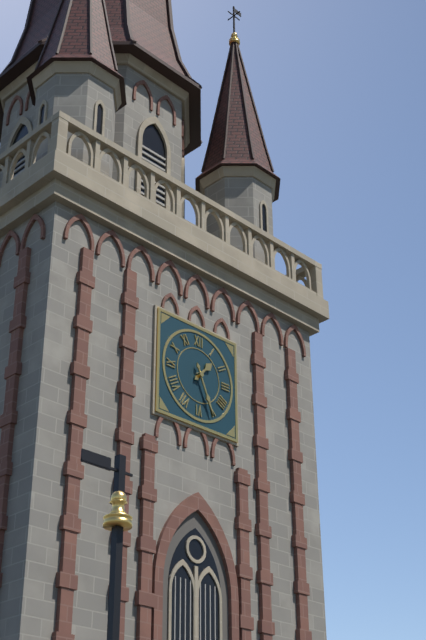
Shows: h=1 m=26
